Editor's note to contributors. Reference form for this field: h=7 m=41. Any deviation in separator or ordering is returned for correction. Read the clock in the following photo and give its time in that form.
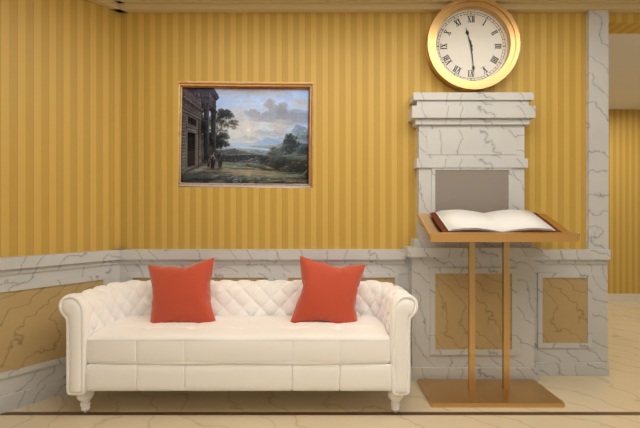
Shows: h=11 m=29
